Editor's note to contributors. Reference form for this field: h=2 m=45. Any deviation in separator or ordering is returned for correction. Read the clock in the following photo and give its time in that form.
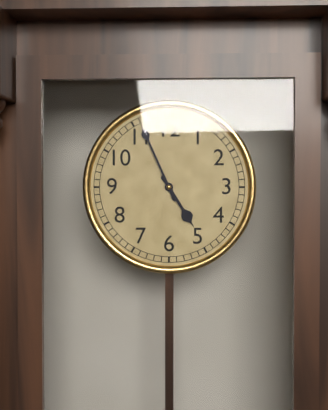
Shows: h=4 m=56
